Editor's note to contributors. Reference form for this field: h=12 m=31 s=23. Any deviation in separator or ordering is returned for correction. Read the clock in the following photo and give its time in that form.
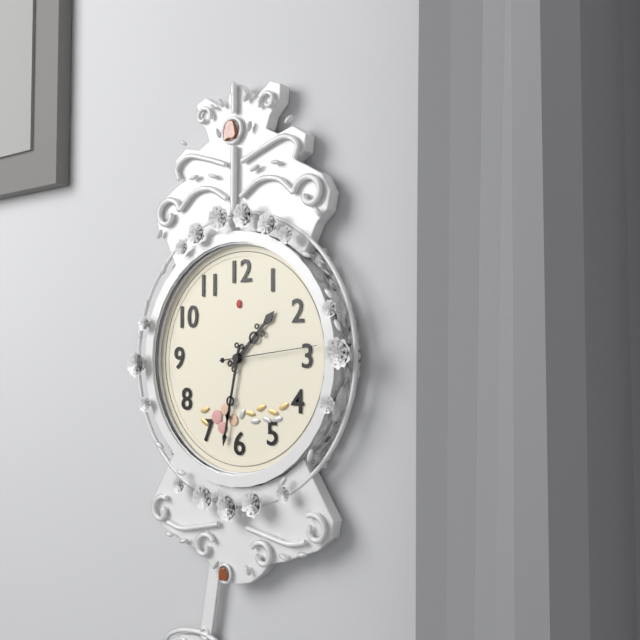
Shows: h=1 m=32 s=14
